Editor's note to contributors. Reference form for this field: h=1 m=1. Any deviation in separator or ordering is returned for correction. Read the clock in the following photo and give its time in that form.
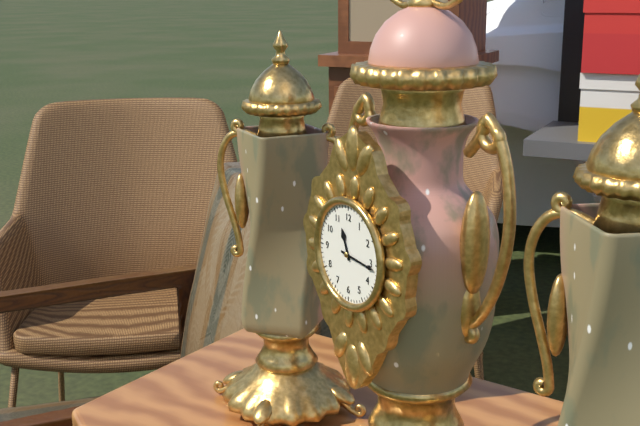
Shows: h=11 m=16
